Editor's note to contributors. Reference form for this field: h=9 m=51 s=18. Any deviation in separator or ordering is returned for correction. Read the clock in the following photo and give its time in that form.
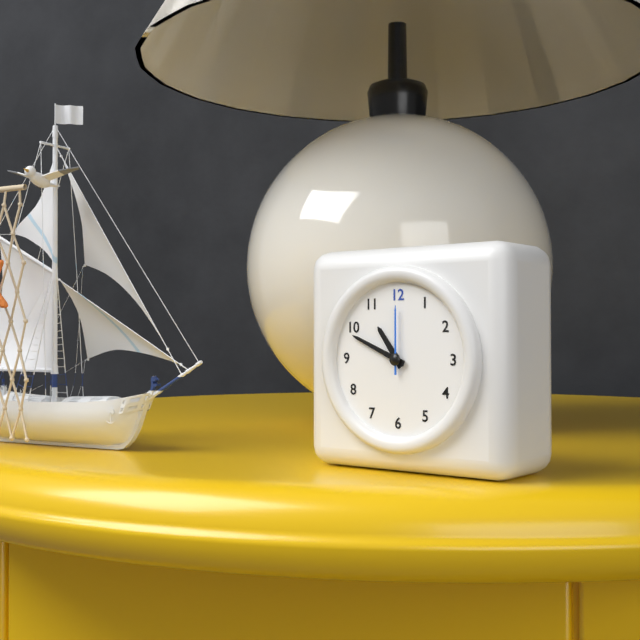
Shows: h=10 m=49 s=0
